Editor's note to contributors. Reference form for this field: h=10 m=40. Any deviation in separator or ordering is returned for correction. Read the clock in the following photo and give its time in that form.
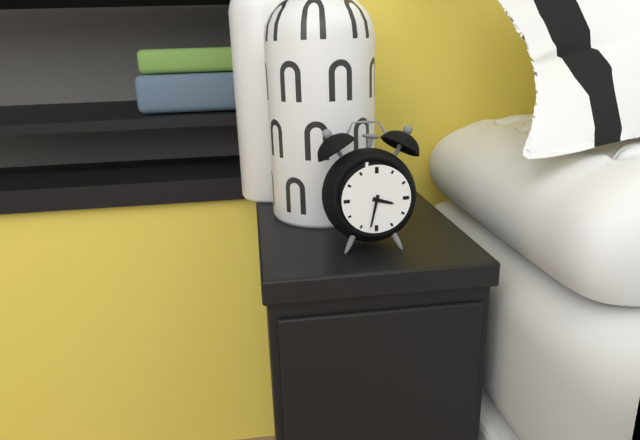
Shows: h=3 m=32
